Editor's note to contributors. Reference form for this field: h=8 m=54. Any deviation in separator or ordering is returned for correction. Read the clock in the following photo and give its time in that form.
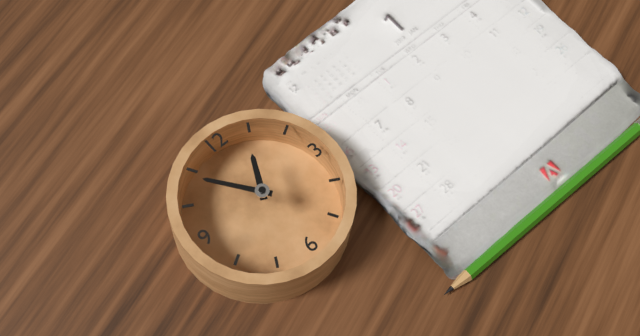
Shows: h=12 m=54
